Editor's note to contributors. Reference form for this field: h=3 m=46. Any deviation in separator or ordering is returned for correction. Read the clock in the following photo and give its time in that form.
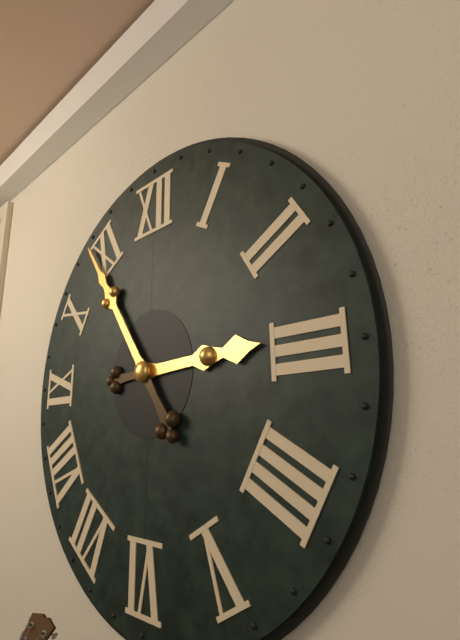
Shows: h=2 m=54
